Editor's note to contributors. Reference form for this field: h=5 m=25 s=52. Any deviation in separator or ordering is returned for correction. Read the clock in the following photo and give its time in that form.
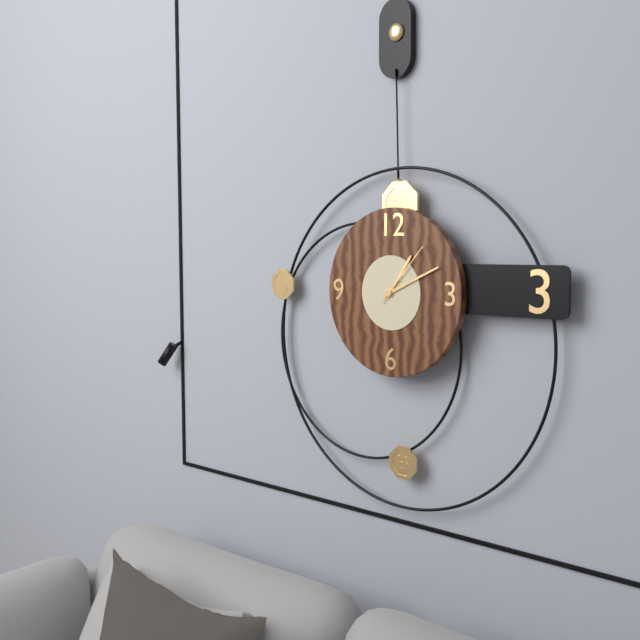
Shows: h=1 m=11 s=7
